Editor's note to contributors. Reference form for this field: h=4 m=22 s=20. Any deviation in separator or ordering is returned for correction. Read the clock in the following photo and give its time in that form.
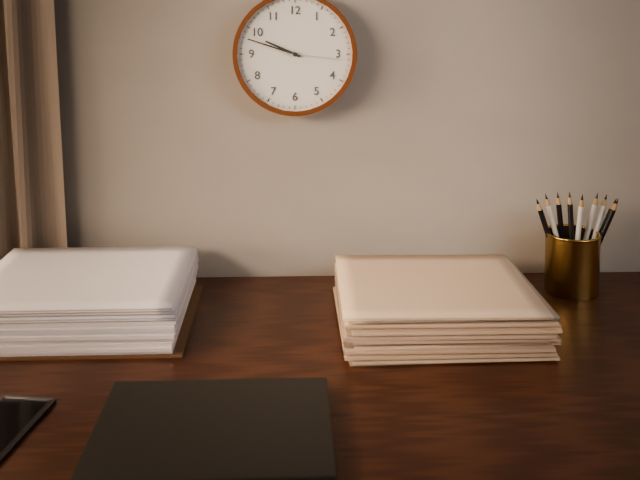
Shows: h=9 m=48 s=16
